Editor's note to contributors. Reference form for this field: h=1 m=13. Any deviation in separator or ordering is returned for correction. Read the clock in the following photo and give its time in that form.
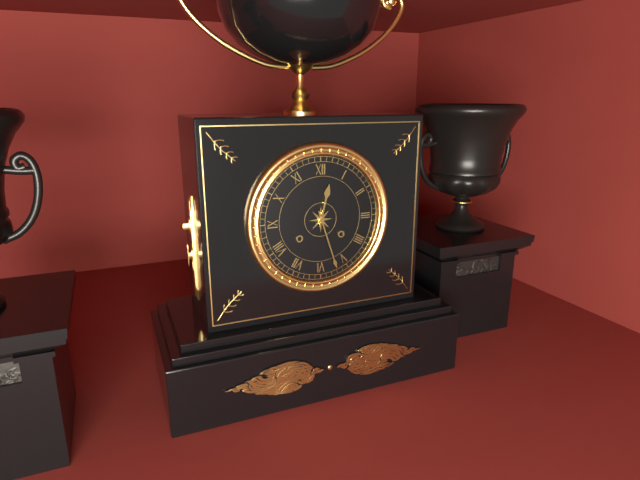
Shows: h=12 m=27
